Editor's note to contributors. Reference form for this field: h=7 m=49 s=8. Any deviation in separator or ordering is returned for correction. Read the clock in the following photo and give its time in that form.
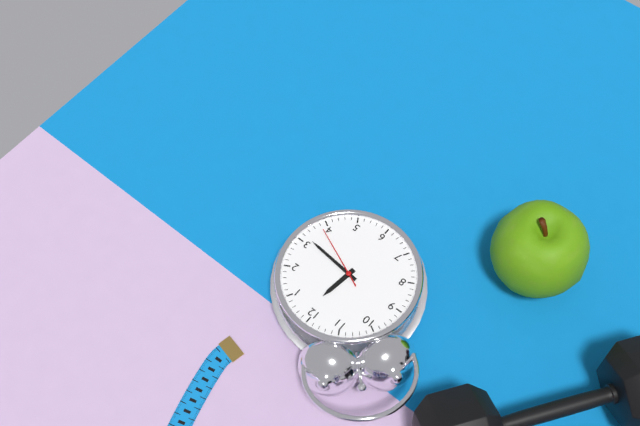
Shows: h=12 m=16 s=19
